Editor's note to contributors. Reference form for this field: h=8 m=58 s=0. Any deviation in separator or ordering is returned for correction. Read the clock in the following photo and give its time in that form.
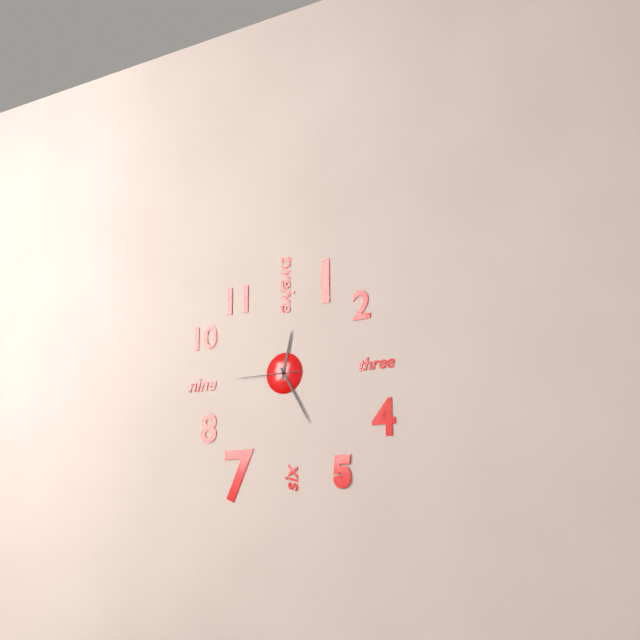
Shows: h=12 m=25 s=45
